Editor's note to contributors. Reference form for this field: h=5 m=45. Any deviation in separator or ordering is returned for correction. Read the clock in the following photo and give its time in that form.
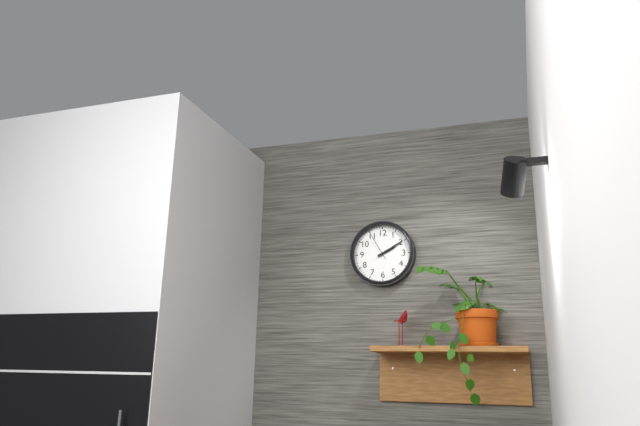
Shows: h=2 m=10
